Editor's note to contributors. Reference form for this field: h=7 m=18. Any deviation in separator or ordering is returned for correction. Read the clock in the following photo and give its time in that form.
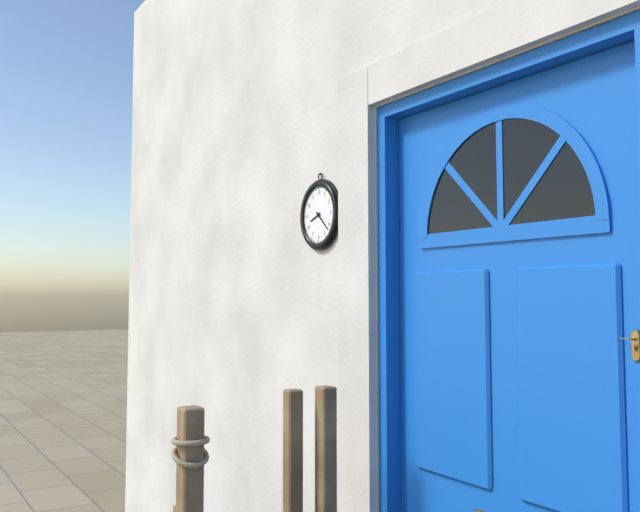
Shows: h=8 m=22
